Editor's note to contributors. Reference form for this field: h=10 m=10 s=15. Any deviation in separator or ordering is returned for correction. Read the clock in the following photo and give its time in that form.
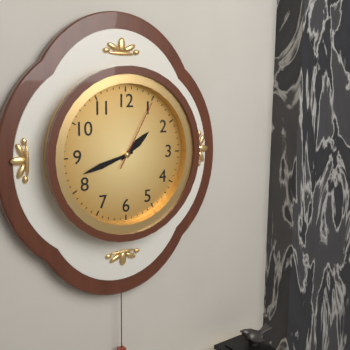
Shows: h=1 m=42 s=5
